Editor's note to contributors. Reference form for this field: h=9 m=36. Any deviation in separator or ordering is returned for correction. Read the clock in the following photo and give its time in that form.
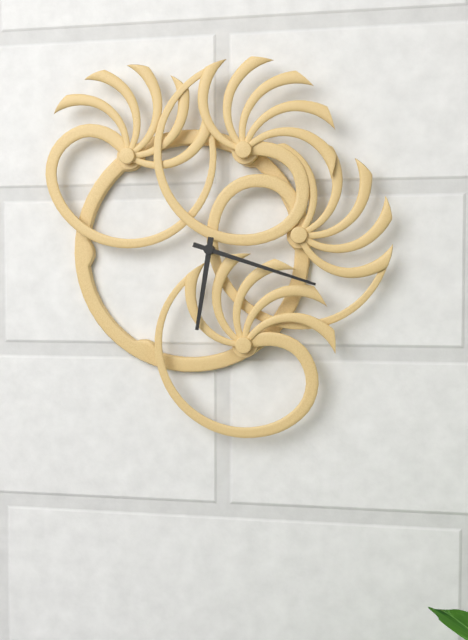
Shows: h=6 m=18
